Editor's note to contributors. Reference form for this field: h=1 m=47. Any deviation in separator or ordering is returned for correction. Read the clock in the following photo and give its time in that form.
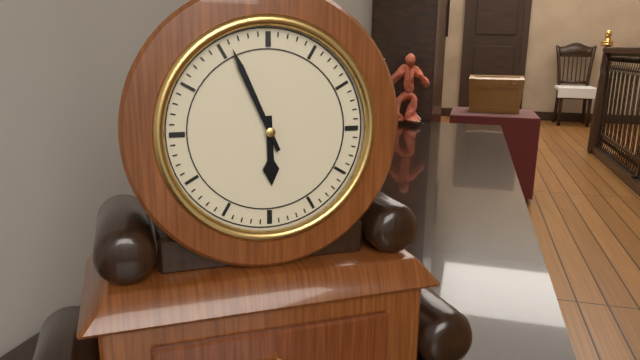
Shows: h=5 m=56
